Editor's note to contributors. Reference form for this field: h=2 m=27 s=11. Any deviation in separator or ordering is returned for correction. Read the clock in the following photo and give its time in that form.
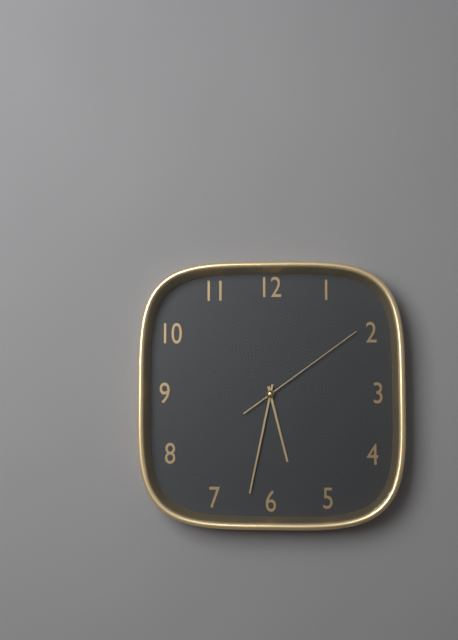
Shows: h=5 m=32 s=9
